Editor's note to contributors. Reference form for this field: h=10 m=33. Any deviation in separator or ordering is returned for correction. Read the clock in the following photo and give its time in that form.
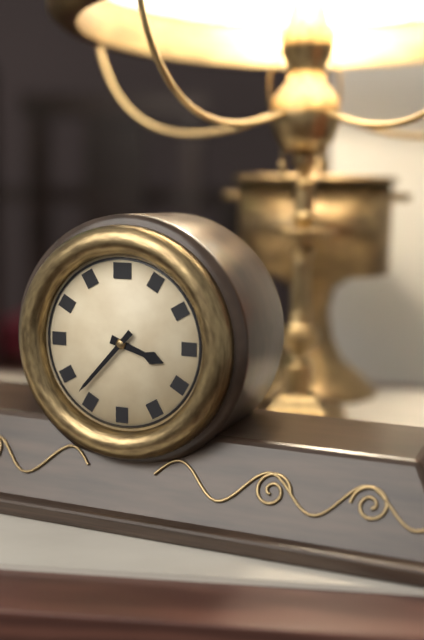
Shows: h=3 m=37
